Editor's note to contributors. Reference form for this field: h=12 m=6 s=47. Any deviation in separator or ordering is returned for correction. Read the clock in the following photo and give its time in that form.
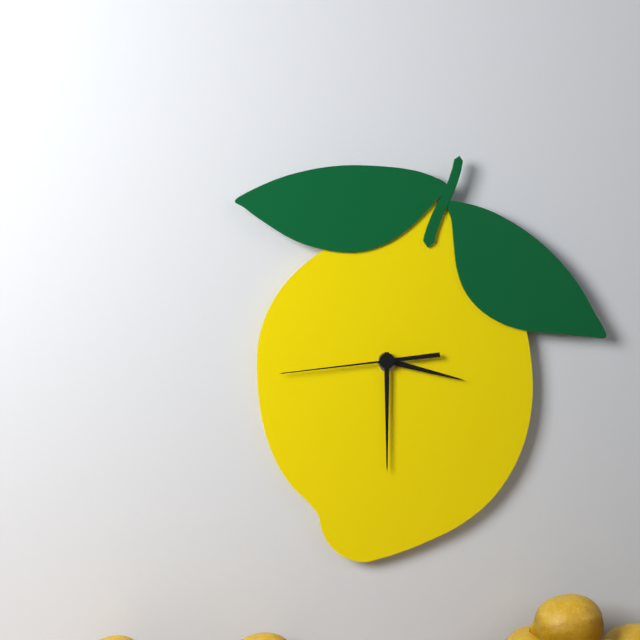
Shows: h=3 m=30 s=44
